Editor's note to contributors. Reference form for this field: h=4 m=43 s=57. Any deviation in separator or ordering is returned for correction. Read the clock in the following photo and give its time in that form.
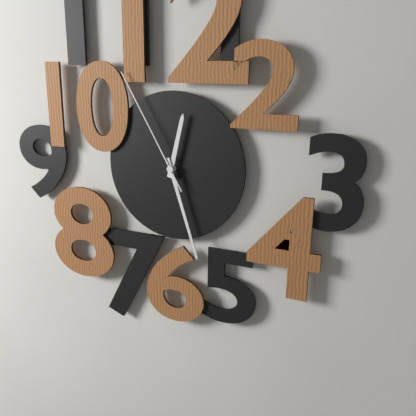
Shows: h=12 m=27 s=55
